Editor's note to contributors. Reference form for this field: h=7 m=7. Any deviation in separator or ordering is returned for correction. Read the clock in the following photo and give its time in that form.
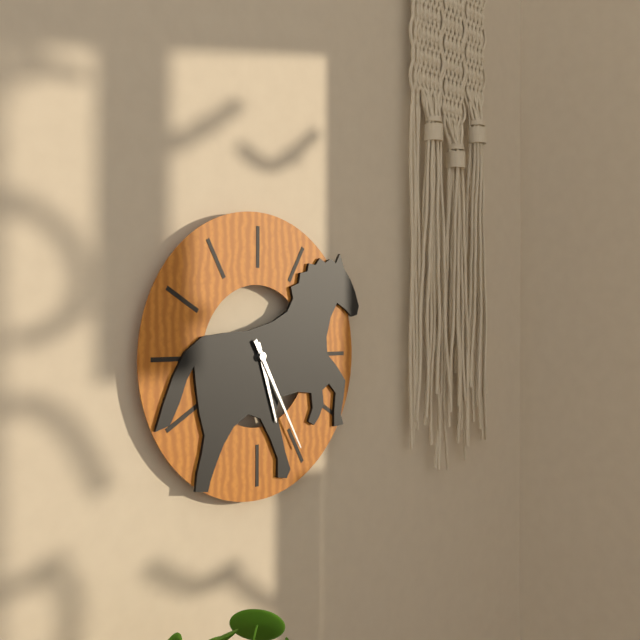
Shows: h=5 m=25
